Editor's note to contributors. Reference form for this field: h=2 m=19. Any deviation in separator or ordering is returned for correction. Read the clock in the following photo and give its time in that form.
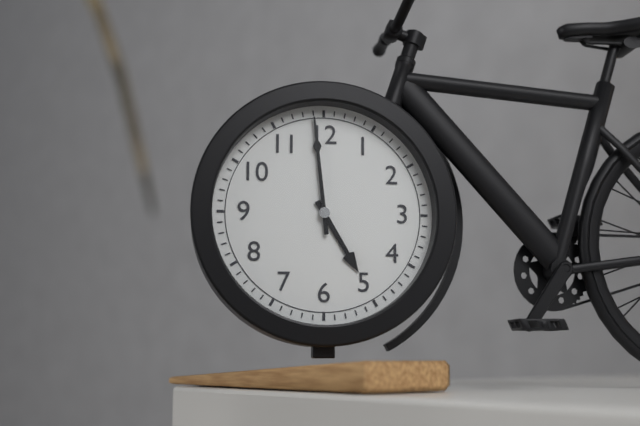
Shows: h=4 m=59
